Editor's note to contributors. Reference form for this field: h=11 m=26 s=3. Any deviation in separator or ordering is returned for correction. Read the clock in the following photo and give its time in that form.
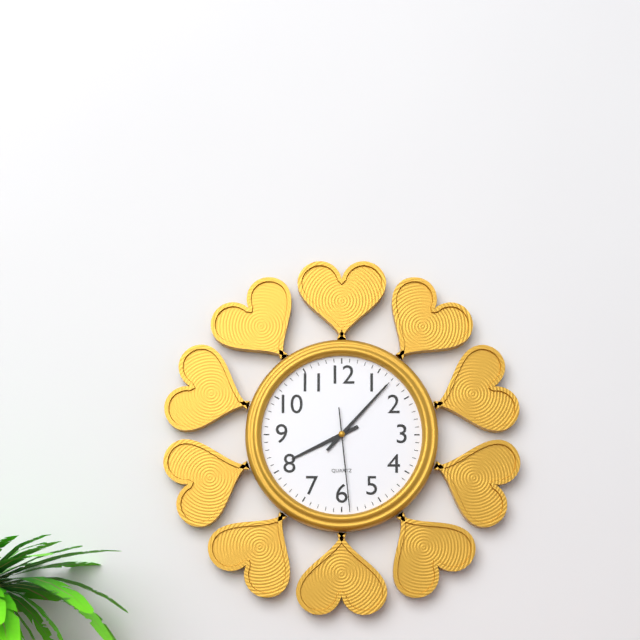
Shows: h=8 m=7 s=29
